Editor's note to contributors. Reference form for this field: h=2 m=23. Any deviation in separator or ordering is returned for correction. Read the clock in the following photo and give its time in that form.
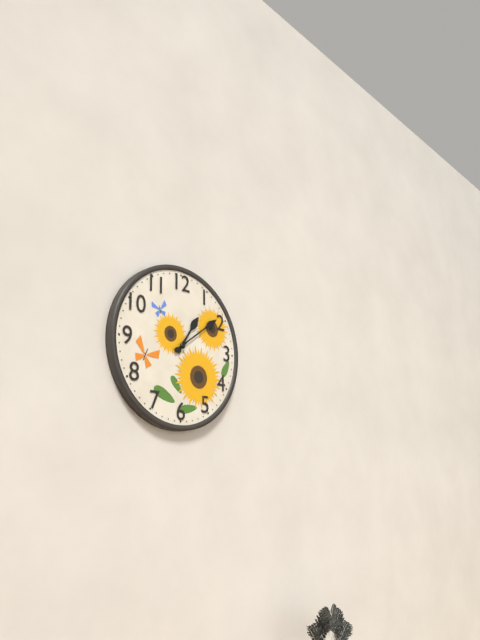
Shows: h=1 m=9
